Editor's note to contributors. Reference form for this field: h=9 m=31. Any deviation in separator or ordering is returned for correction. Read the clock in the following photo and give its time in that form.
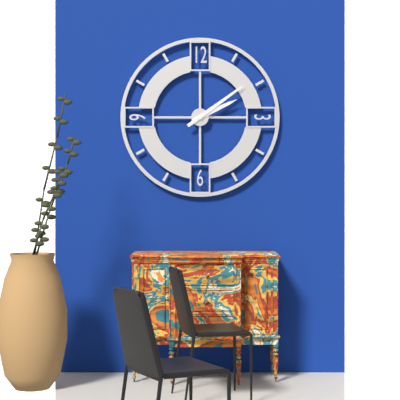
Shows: h=2 m=9
